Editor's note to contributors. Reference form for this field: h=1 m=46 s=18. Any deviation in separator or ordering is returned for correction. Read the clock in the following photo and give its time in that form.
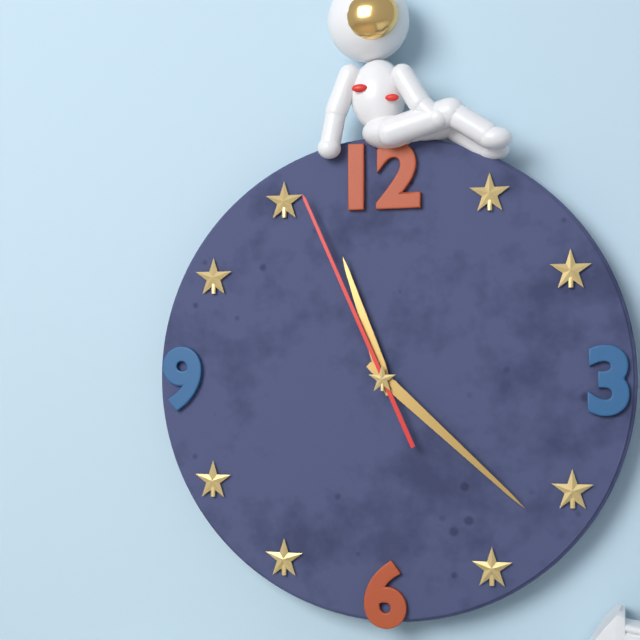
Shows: h=11 m=22 s=56
